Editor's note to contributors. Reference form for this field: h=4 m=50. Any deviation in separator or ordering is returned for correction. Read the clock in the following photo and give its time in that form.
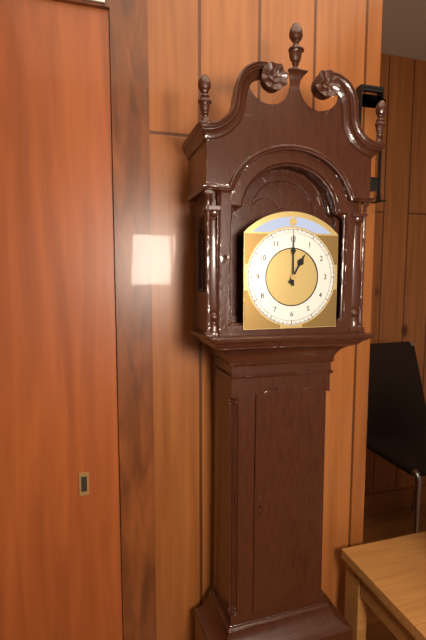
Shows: h=1 m=0
